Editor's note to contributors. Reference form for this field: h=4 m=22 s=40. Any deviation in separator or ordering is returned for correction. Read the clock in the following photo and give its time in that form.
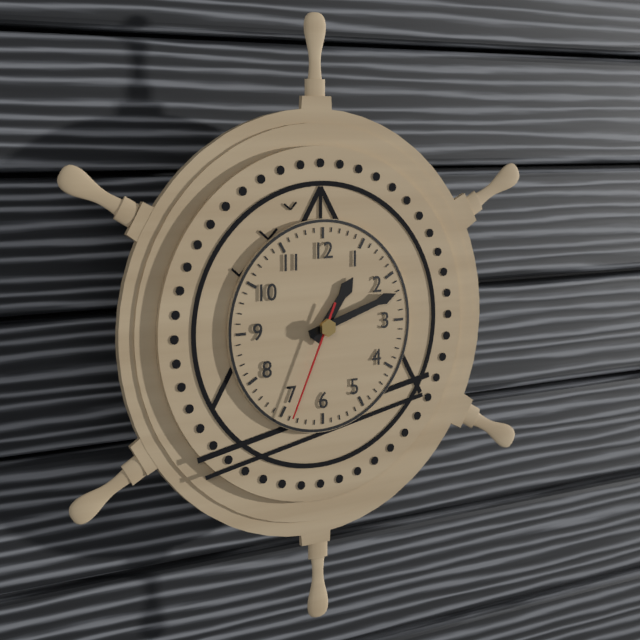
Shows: h=1 m=12 s=34
